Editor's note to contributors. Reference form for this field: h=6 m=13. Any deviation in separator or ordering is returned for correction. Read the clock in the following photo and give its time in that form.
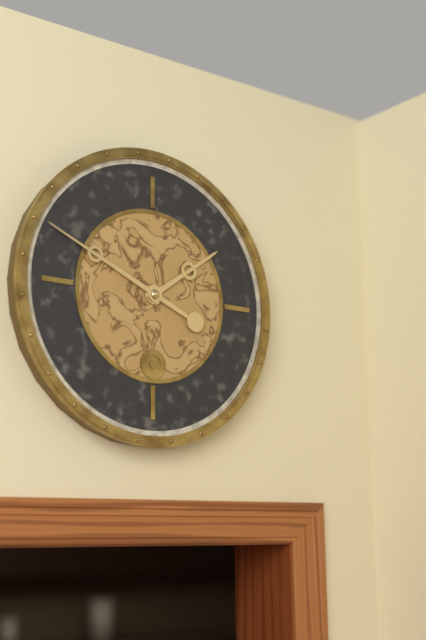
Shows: h=1 m=49
